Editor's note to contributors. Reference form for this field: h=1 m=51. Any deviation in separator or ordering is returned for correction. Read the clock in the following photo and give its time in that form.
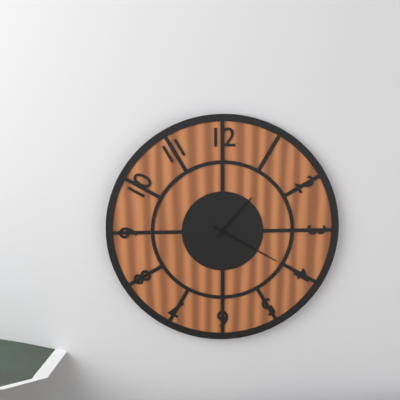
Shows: h=1 m=20
